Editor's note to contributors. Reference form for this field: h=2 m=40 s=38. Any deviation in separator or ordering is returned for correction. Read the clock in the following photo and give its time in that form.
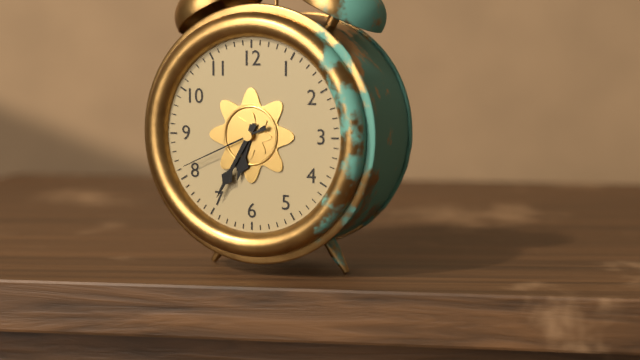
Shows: h=6 m=35 s=41
